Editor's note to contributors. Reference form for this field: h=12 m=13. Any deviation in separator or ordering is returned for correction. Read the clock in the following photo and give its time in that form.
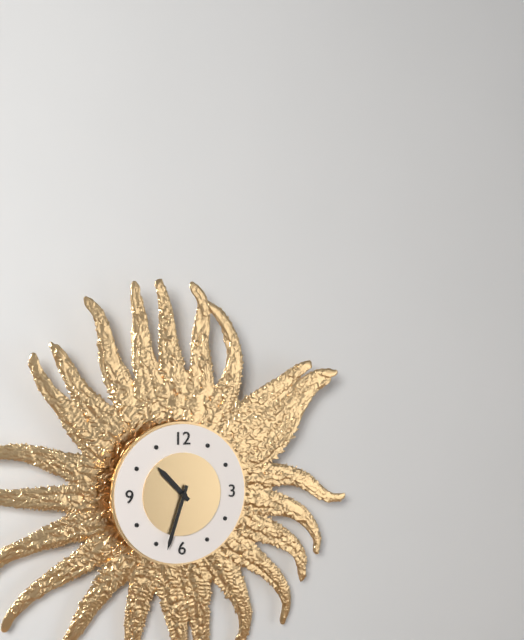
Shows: h=10 m=33
